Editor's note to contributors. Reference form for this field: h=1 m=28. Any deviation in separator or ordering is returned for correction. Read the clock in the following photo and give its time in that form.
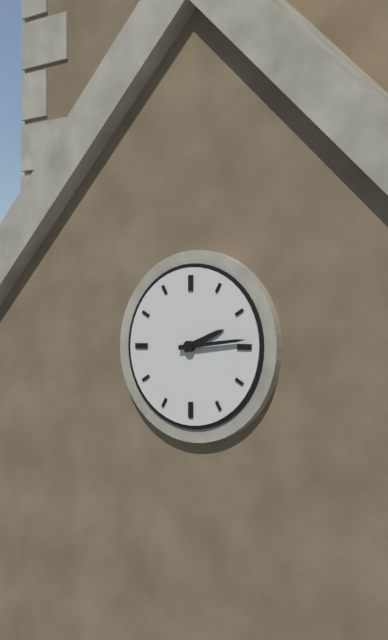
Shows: h=2 m=14
